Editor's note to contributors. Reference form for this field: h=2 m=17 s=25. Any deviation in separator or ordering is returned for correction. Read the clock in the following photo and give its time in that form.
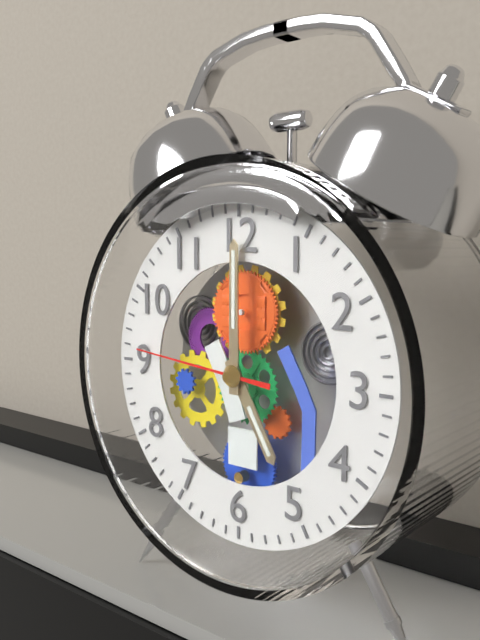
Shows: h=5 m=0 s=46
